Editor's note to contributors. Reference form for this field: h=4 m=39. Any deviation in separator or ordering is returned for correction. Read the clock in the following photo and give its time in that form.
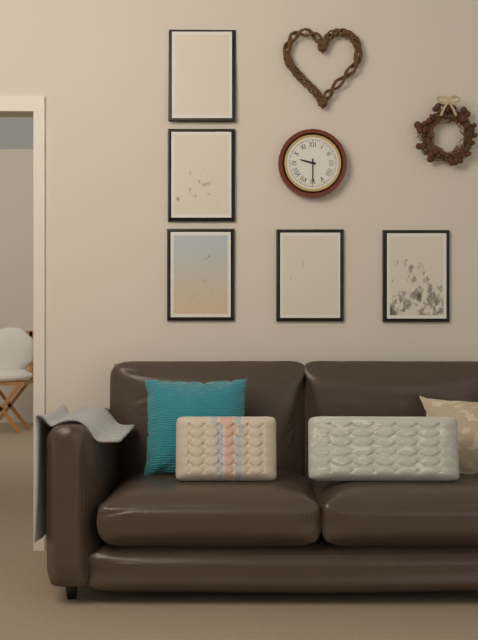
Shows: h=9 m=30
